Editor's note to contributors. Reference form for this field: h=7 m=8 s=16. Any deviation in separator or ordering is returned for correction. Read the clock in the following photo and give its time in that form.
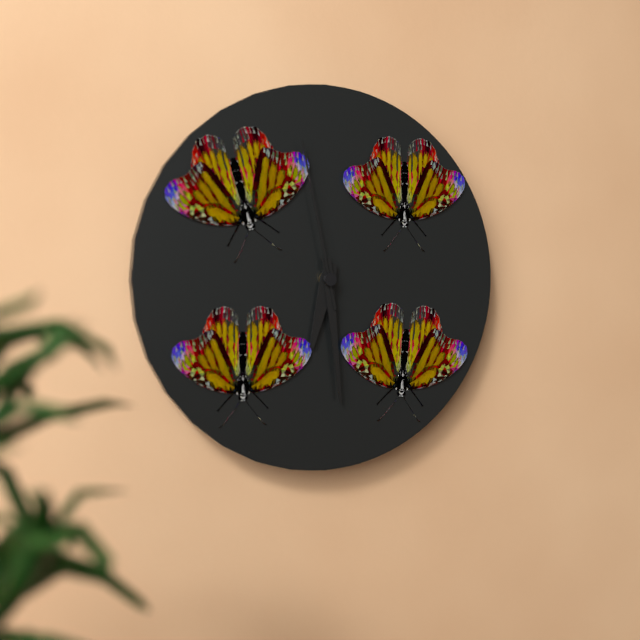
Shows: h=6 m=29 s=58
